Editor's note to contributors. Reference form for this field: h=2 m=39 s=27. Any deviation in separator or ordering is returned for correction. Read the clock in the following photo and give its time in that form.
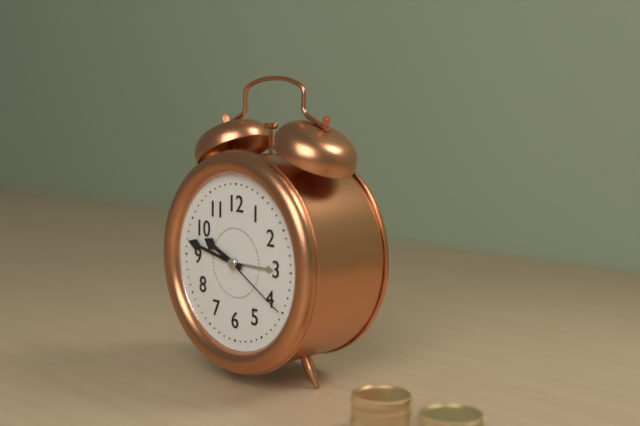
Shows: h=9 m=47 s=20
